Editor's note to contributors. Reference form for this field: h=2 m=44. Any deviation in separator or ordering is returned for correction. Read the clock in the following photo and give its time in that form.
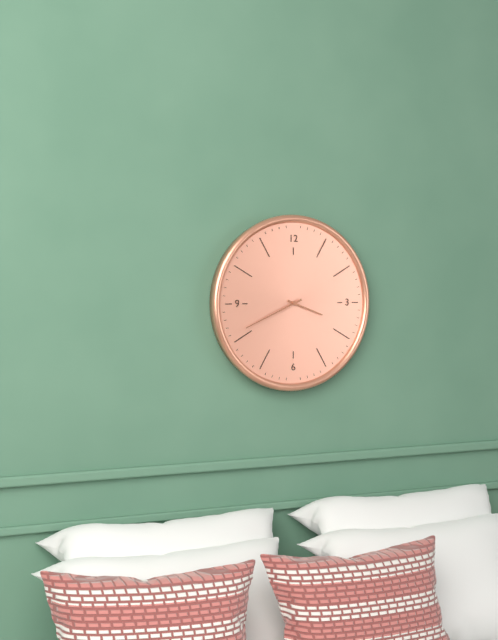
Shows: h=3 m=41
